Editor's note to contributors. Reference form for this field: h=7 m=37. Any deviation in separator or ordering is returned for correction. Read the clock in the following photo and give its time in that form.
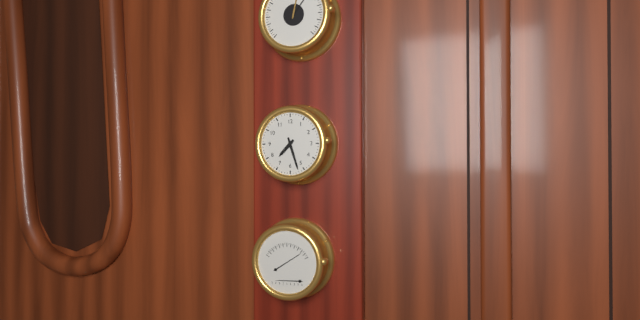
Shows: h=7 m=27
